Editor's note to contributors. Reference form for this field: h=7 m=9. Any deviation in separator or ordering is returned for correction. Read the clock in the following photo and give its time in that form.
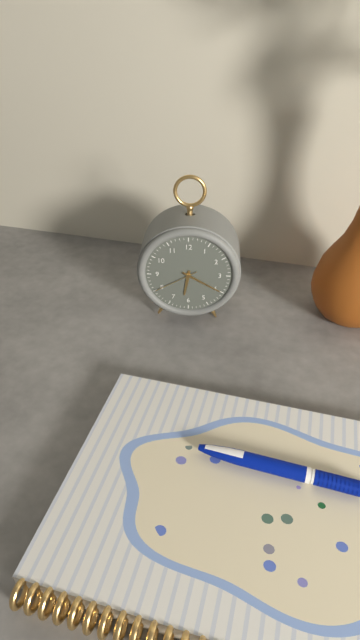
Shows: h=6 m=20
